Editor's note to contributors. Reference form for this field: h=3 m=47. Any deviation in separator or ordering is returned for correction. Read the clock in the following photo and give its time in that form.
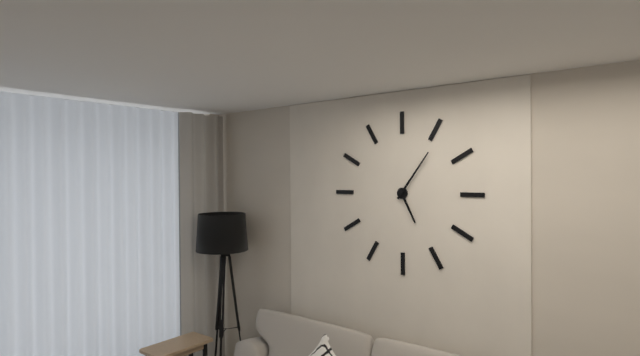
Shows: h=5 m=6
